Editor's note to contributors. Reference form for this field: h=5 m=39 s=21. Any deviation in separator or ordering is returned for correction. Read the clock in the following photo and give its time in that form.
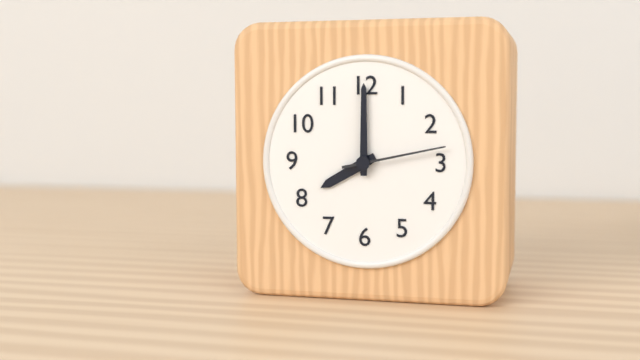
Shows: h=8 m=0 s=13
